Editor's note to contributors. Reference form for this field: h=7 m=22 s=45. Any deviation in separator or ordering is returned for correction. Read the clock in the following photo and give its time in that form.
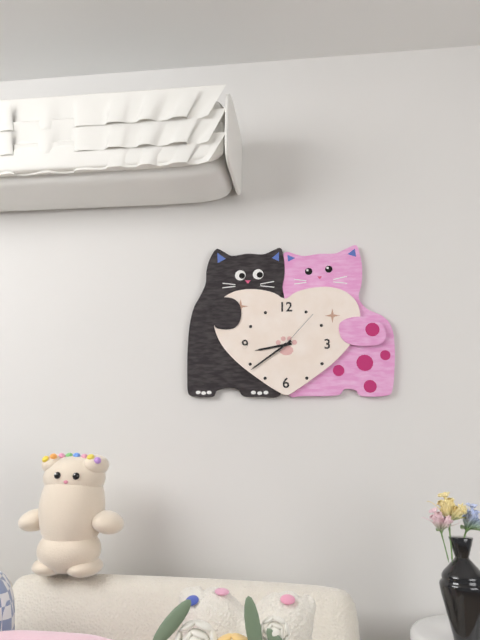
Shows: h=8 m=39 s=7
